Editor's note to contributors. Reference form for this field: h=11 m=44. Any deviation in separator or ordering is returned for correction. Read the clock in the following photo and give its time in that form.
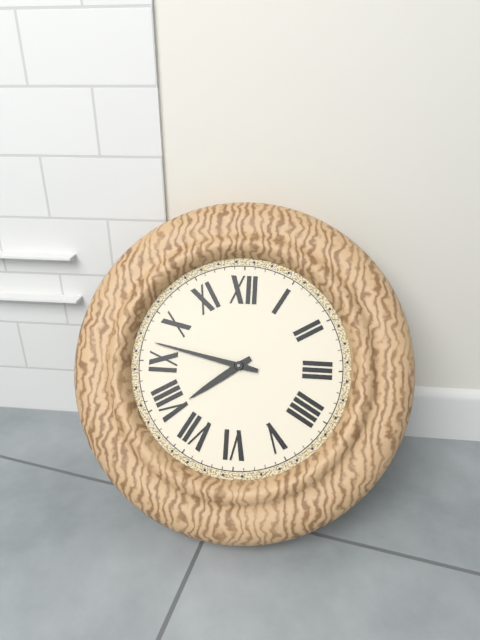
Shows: h=7 m=47
